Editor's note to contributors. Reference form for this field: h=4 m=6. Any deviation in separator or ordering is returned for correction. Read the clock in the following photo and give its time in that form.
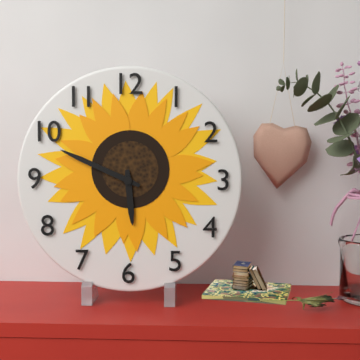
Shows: h=5 m=49
